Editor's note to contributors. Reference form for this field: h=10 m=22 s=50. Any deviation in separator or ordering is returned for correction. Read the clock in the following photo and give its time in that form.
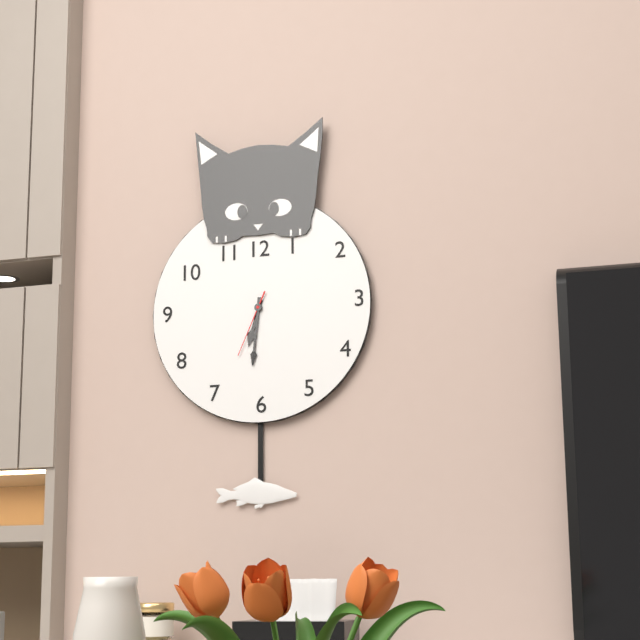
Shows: h=6 m=31 s=34
